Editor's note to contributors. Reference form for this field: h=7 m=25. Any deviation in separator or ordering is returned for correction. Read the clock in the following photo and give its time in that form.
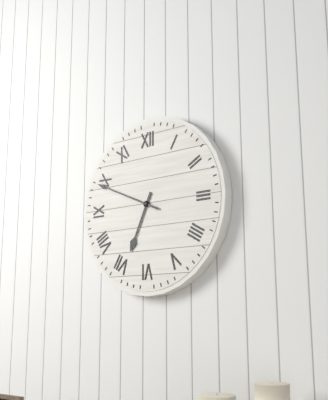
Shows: h=6 m=49
